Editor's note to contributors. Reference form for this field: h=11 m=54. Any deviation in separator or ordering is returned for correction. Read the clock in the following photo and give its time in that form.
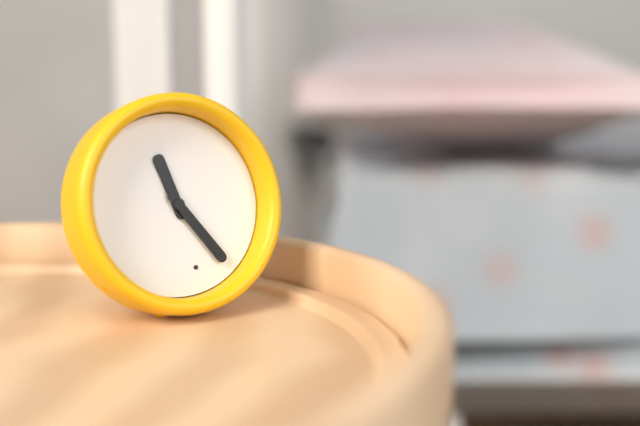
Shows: h=11 m=24
